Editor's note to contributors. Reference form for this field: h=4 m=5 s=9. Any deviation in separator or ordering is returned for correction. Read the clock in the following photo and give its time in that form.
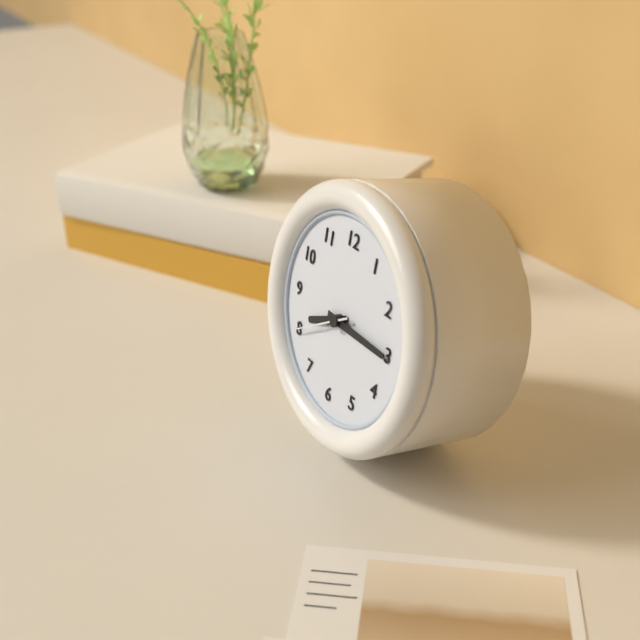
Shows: h=8 m=15 s=40
